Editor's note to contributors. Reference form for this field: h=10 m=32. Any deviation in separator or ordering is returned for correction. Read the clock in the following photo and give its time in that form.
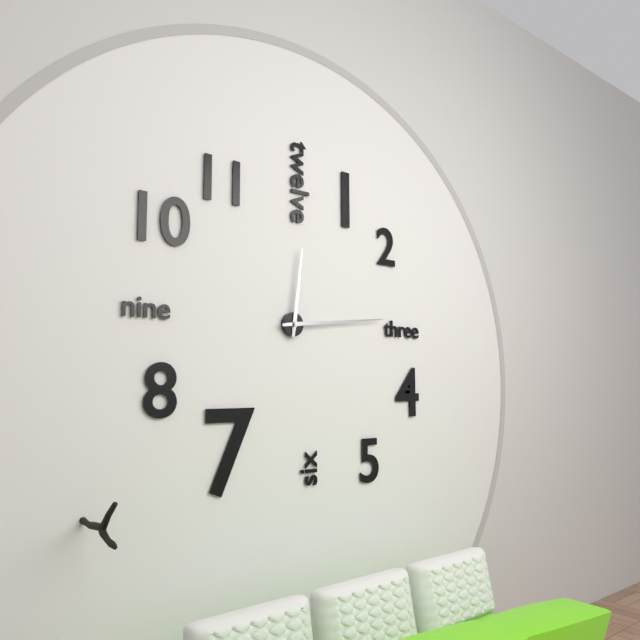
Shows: h=12 m=14
